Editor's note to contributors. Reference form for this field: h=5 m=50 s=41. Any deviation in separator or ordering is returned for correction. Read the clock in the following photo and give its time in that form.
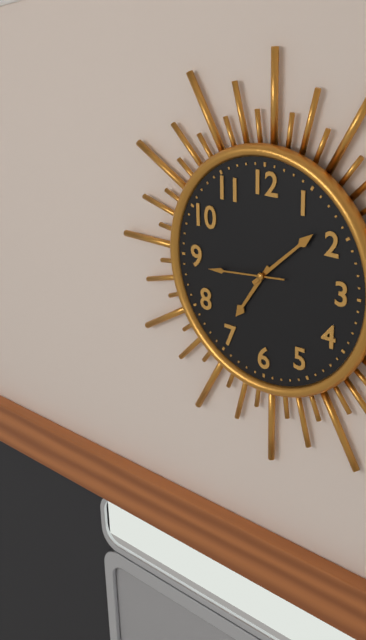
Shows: h=7 m=8 s=44
